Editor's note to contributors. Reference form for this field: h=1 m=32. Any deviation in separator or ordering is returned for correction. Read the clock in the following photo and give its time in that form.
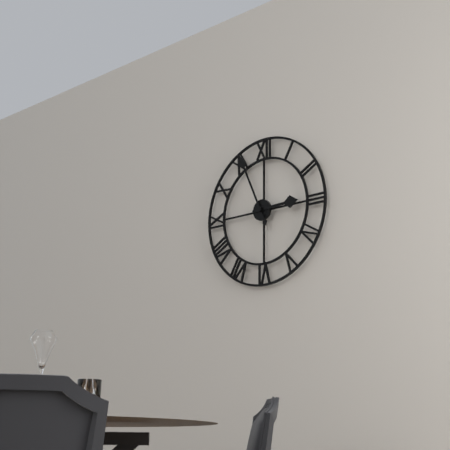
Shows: h=2 m=56
